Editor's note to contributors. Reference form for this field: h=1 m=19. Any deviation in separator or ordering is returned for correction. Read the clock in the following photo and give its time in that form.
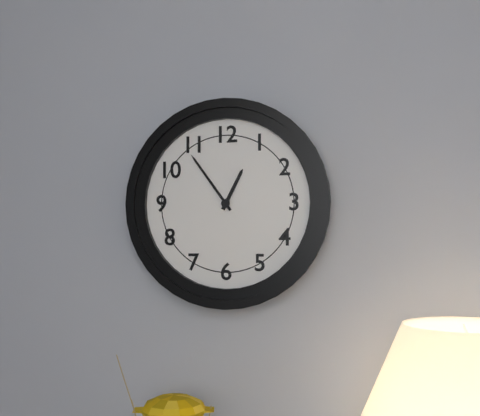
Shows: h=12 m=54
